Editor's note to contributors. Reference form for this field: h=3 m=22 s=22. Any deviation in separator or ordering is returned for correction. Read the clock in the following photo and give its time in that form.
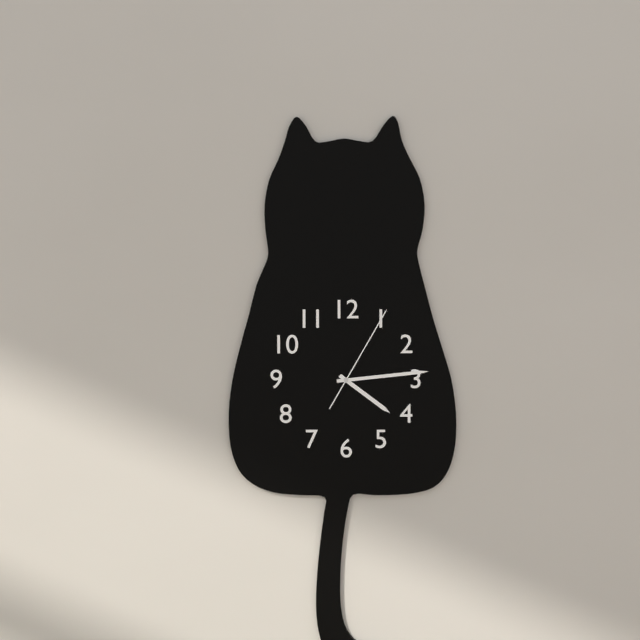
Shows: h=4 m=14 s=5
